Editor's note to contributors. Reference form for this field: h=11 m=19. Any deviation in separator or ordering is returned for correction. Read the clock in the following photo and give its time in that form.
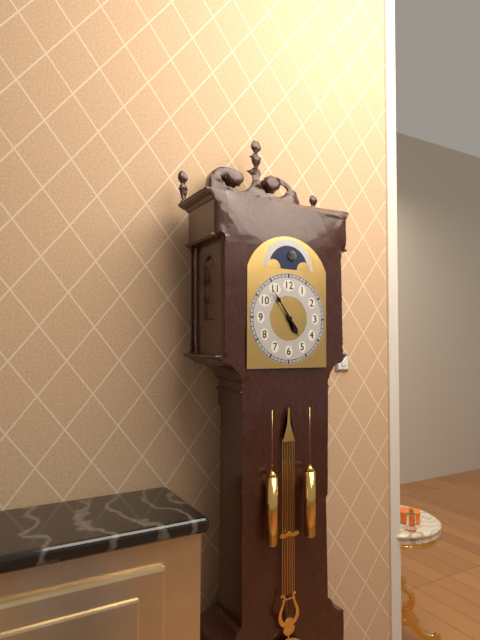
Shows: h=4 m=54
